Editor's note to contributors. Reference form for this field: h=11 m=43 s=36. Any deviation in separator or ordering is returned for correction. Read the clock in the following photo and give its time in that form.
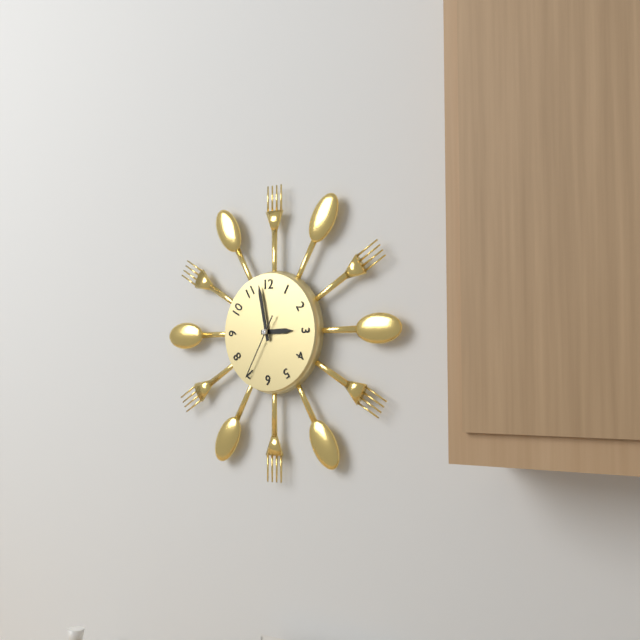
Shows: h=2 m=58 s=35
